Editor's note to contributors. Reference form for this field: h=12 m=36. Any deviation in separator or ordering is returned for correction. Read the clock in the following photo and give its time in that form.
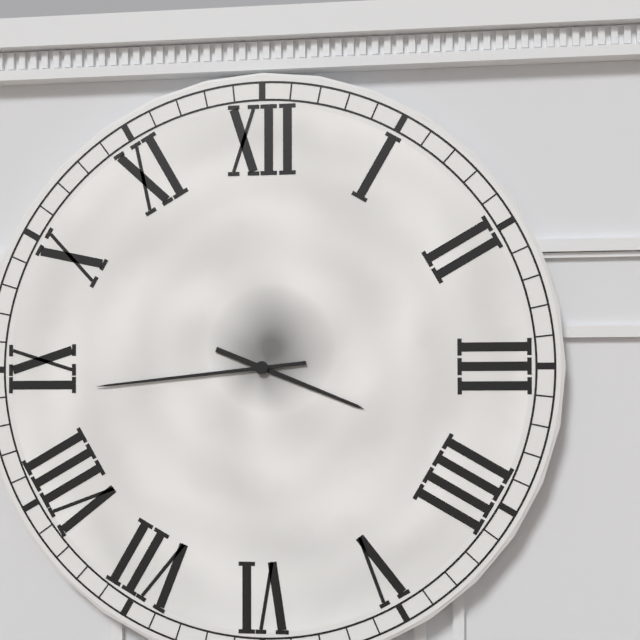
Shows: h=3 m=44
